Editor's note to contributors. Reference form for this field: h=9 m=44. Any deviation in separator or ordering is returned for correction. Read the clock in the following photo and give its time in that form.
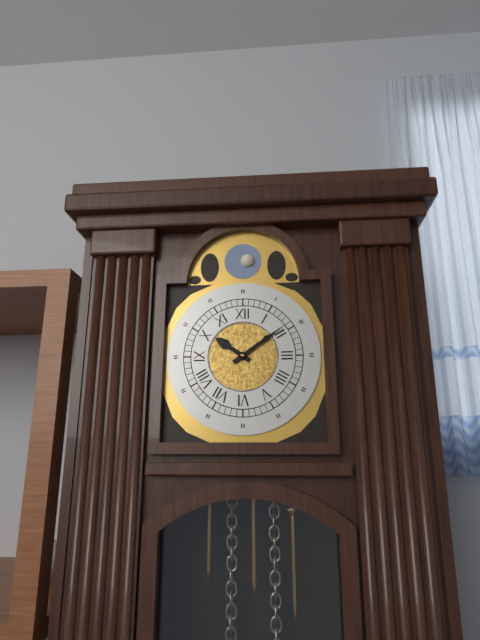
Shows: h=10 m=9
